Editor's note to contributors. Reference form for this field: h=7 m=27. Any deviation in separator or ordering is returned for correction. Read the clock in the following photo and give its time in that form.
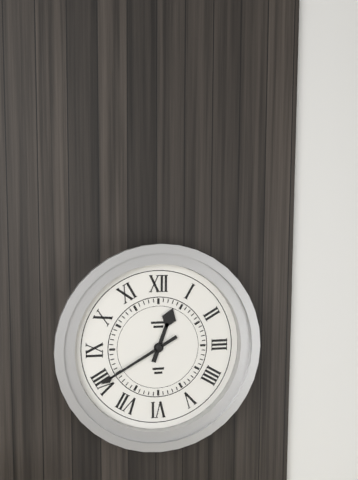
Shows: h=12 m=40
